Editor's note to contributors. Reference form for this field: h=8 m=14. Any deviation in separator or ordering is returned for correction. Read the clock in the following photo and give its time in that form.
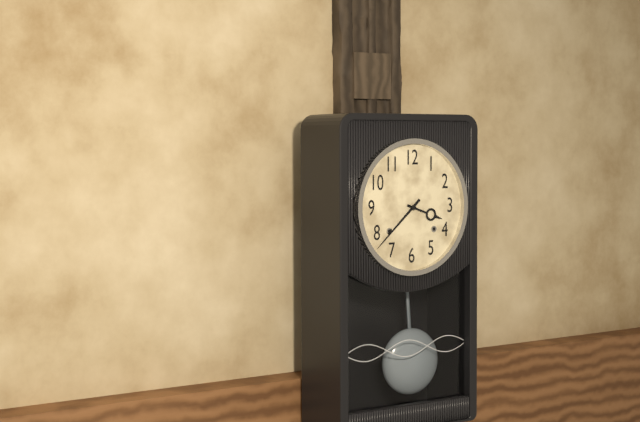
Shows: h=3 m=38
